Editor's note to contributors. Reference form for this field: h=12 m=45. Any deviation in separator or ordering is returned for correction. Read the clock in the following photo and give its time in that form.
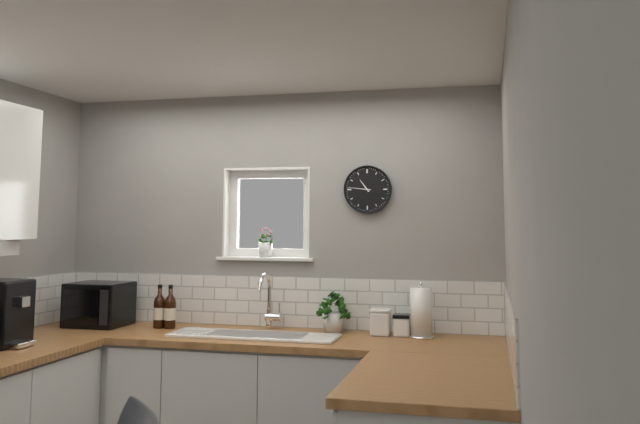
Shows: h=10 m=46
